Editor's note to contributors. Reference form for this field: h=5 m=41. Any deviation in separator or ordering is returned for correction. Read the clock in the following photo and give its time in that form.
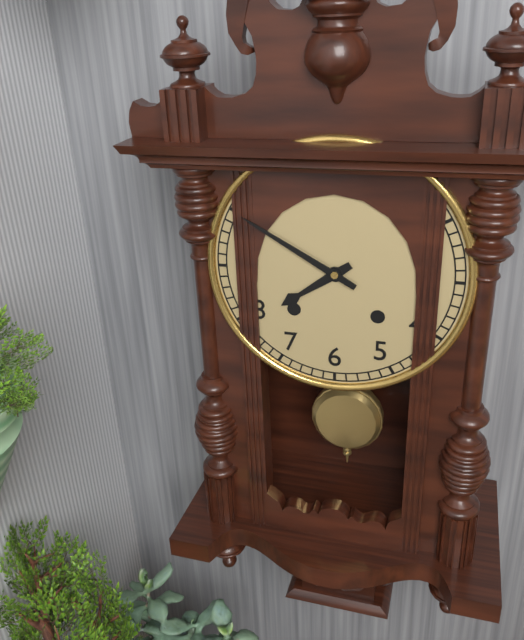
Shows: h=7 m=50
